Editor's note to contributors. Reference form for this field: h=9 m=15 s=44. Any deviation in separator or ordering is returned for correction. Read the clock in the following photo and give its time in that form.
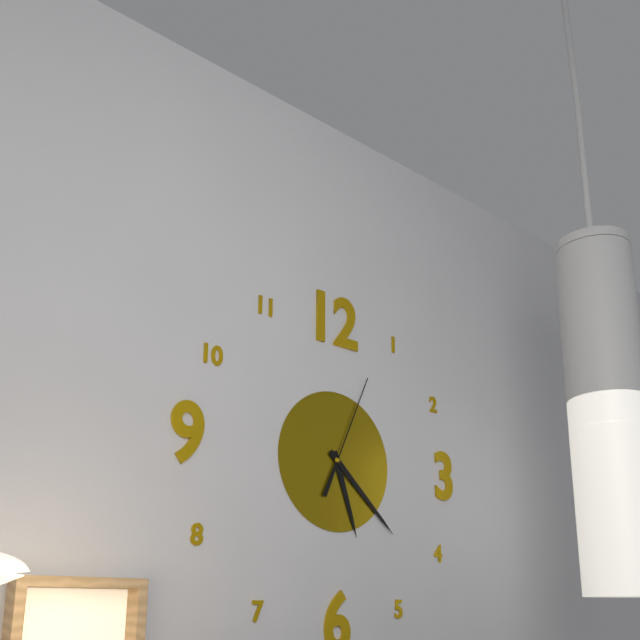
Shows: h=5 m=22 s=4
